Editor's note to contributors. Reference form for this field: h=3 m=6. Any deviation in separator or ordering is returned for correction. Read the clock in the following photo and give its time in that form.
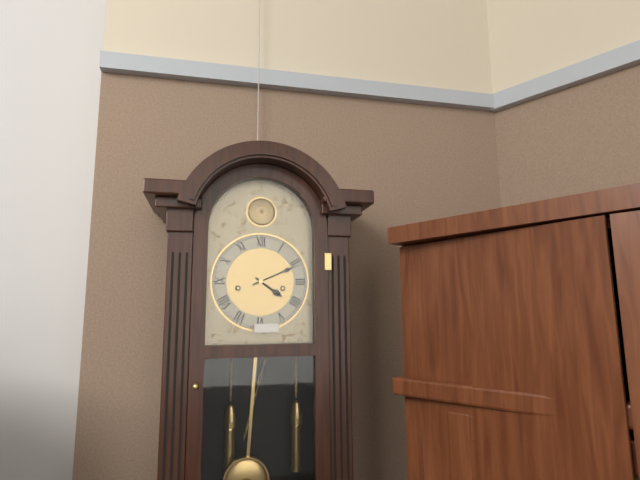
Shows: h=4 m=11
